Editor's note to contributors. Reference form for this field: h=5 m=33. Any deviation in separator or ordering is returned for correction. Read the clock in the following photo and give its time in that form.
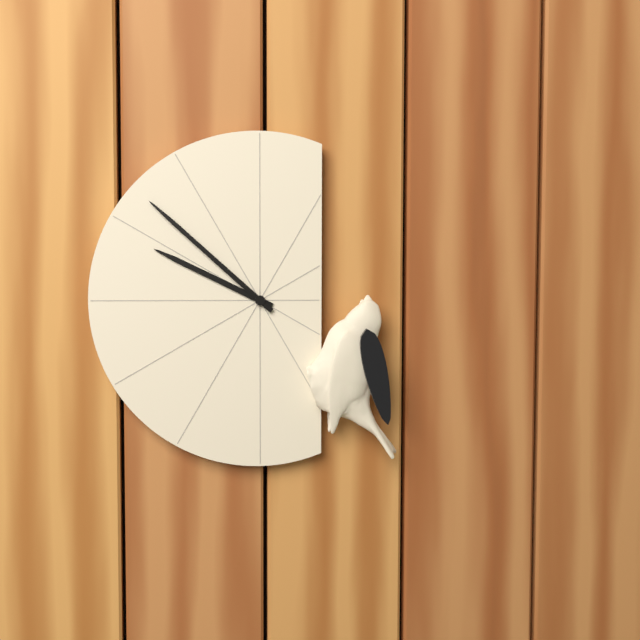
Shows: h=9 m=52
